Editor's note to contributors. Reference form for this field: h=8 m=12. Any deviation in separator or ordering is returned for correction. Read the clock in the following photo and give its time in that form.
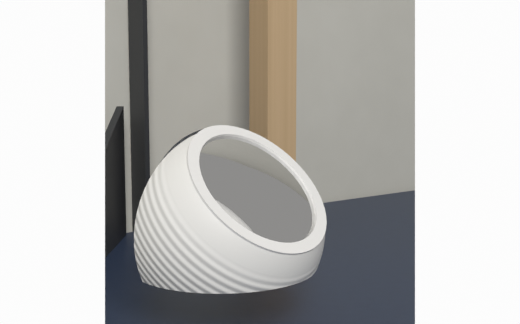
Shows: h=1 m=22
